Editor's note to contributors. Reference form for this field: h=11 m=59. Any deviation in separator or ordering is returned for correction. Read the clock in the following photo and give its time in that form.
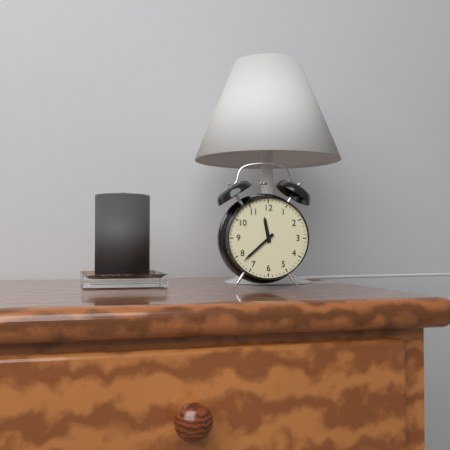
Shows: h=11 m=38
